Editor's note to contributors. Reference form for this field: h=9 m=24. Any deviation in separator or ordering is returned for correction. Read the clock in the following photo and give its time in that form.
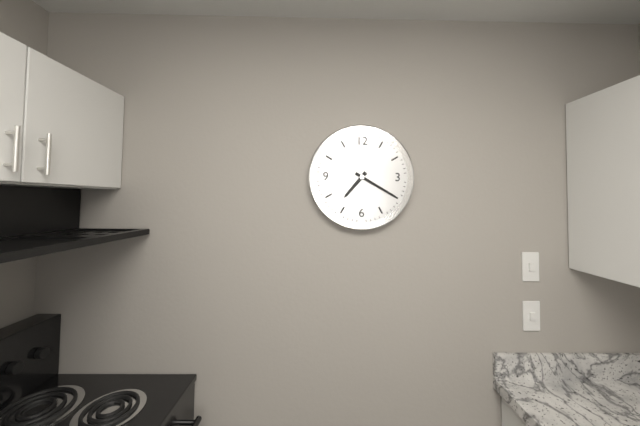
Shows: h=7 m=20
